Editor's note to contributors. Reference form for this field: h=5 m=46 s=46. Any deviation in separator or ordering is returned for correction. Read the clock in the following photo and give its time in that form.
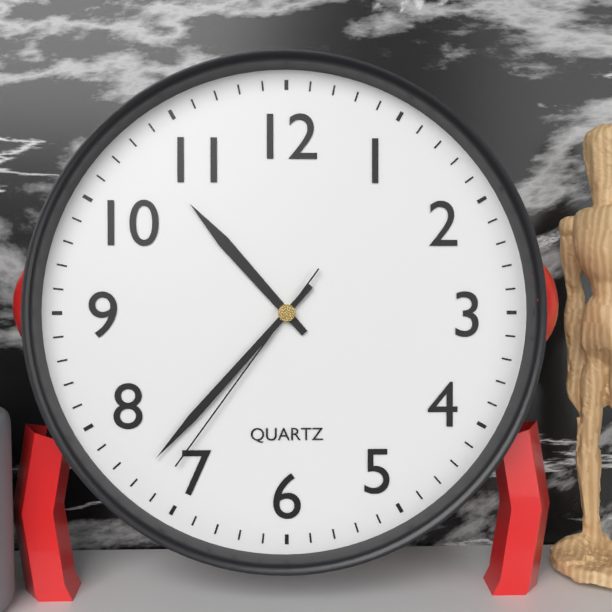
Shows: h=10 m=37 s=36
